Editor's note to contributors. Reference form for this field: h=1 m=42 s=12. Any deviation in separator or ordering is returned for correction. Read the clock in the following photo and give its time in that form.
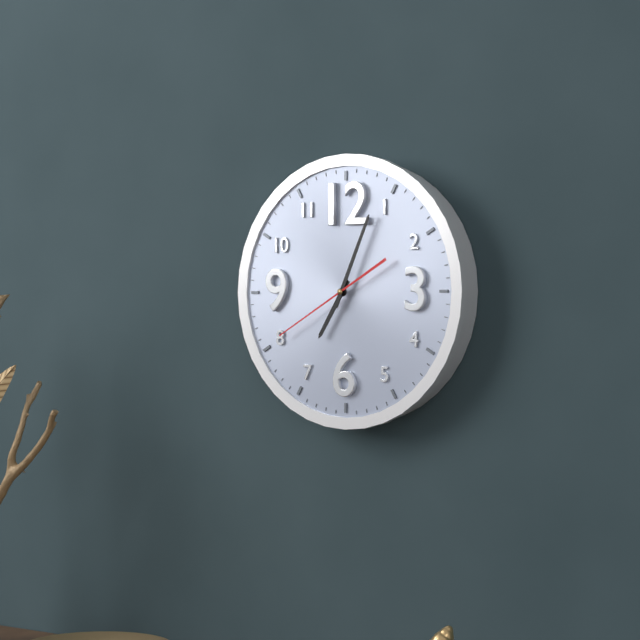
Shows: h=7 m=4 s=40
